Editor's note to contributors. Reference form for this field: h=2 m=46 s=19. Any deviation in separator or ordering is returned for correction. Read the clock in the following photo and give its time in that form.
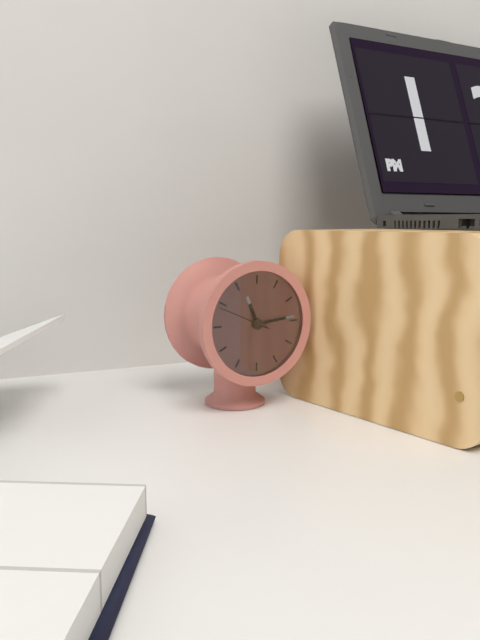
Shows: h=11 m=14 s=49
